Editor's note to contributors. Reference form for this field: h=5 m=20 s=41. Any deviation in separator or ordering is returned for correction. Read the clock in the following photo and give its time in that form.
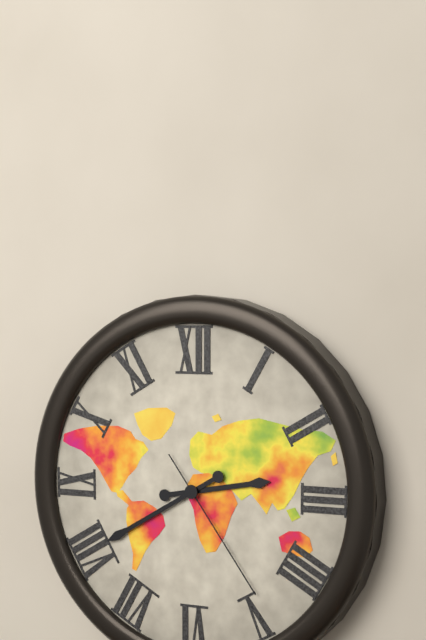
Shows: h=2 m=40 s=24
